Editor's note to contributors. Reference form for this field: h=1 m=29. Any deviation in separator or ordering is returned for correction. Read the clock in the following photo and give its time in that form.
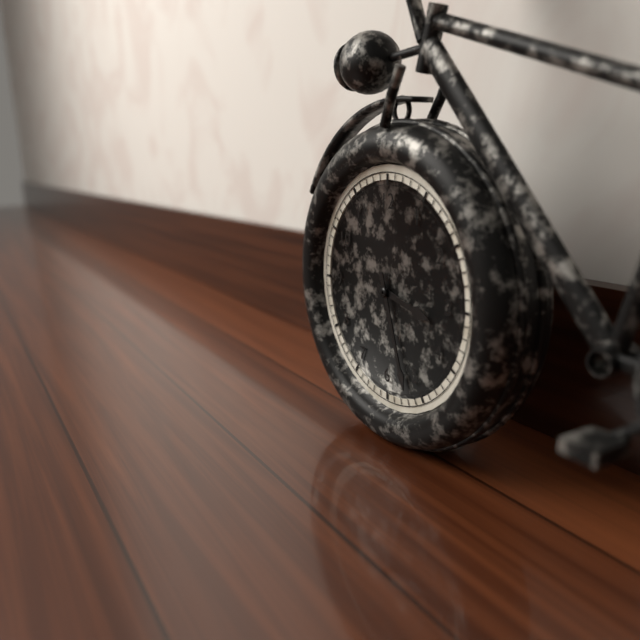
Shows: h=3 m=27
